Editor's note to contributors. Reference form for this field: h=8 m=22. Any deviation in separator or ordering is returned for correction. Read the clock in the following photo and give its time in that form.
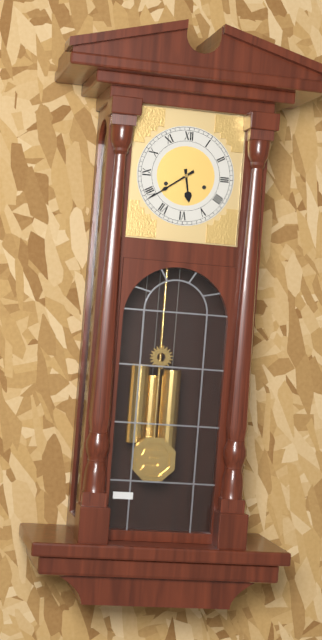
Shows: h=5 m=39
